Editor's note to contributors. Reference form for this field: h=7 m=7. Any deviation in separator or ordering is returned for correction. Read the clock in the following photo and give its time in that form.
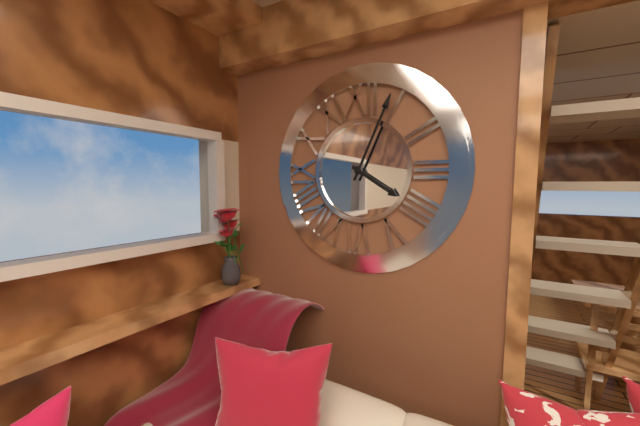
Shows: h=4 m=4
